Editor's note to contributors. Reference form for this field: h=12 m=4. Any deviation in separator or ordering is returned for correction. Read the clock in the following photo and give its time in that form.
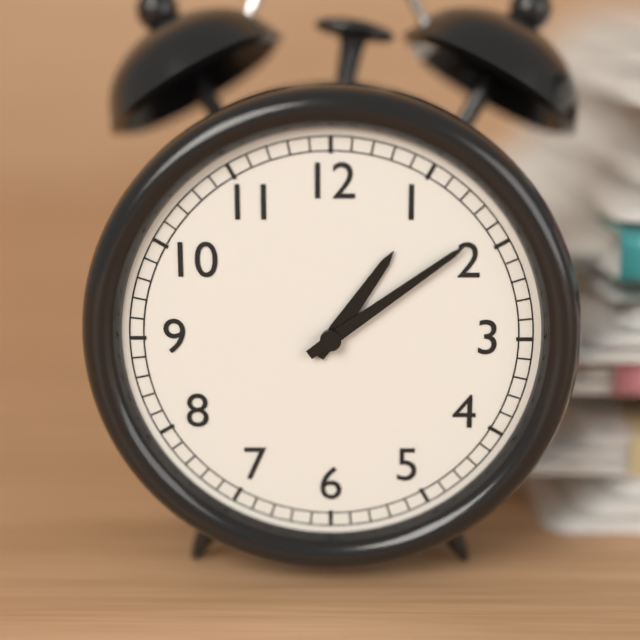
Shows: h=1 m=9
